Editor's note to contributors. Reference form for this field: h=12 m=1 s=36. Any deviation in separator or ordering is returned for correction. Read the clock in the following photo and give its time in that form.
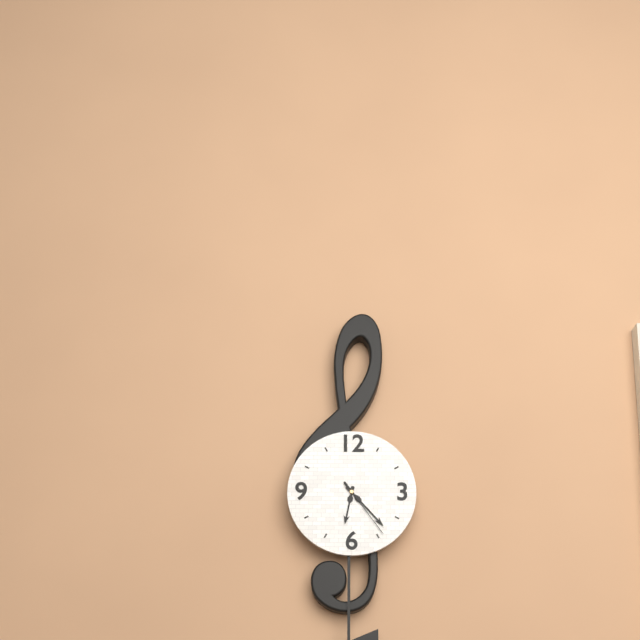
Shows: h=6 m=23 s=24
